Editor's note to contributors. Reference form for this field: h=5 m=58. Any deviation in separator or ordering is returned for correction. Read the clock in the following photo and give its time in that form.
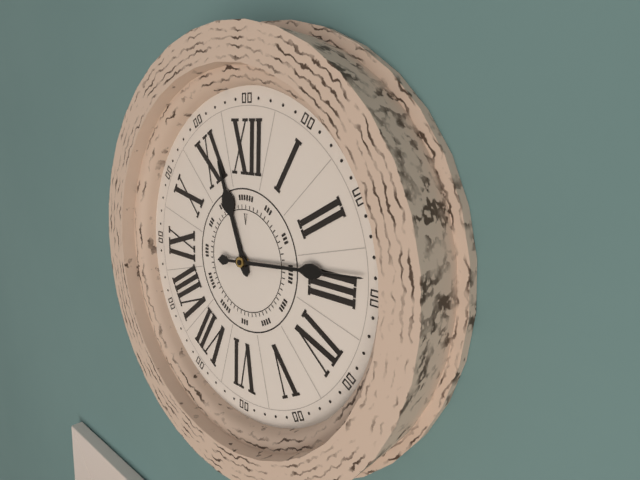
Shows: h=11 m=14
